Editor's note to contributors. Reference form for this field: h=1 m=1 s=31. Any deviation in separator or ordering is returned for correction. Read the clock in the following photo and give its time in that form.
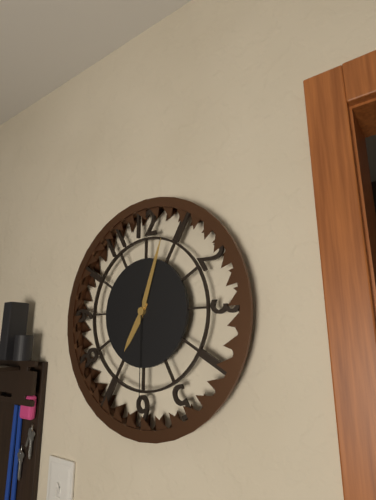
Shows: h=7 m=3 s=30
